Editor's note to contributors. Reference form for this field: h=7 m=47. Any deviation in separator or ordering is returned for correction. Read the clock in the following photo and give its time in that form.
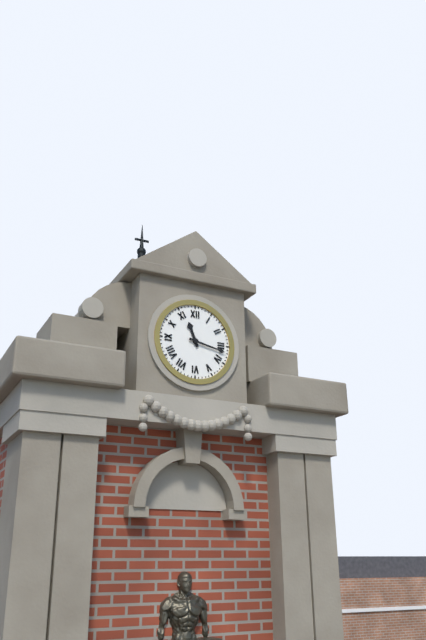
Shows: h=11 m=17
